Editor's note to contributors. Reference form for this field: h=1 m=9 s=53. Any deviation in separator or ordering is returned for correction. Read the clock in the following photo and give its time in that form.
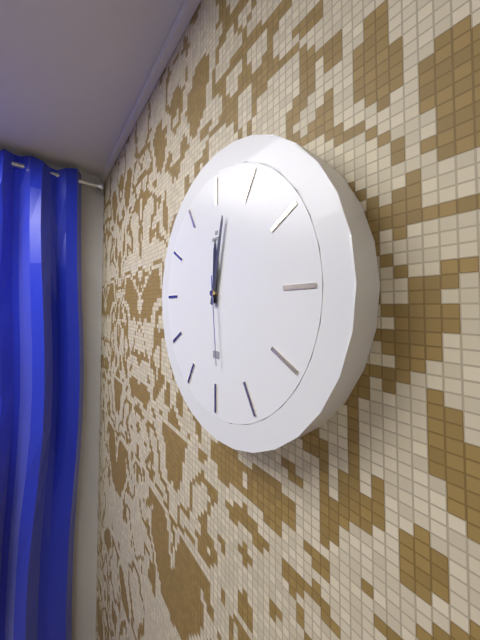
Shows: h=12 m=2 s=29
